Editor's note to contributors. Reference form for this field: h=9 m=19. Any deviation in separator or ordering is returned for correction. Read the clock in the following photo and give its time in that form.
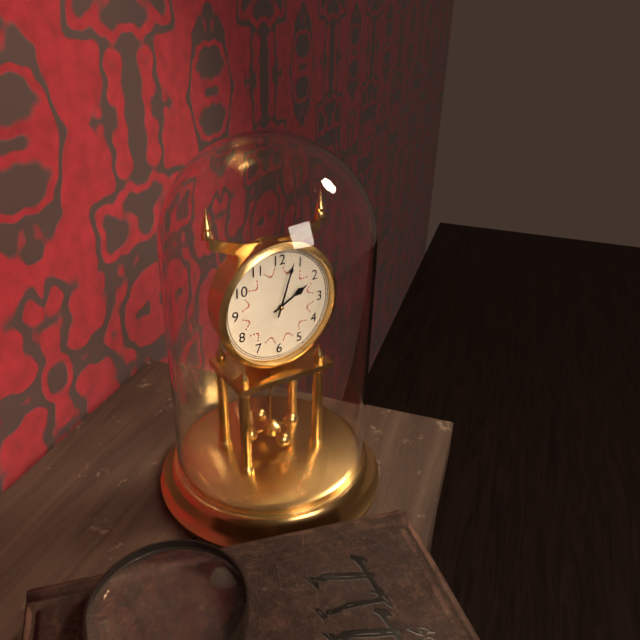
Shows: h=2 m=3
